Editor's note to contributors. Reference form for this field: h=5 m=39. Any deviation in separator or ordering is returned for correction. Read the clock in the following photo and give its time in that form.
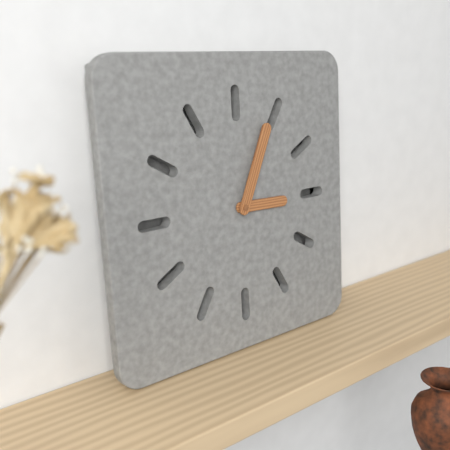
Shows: h=3 m=4
